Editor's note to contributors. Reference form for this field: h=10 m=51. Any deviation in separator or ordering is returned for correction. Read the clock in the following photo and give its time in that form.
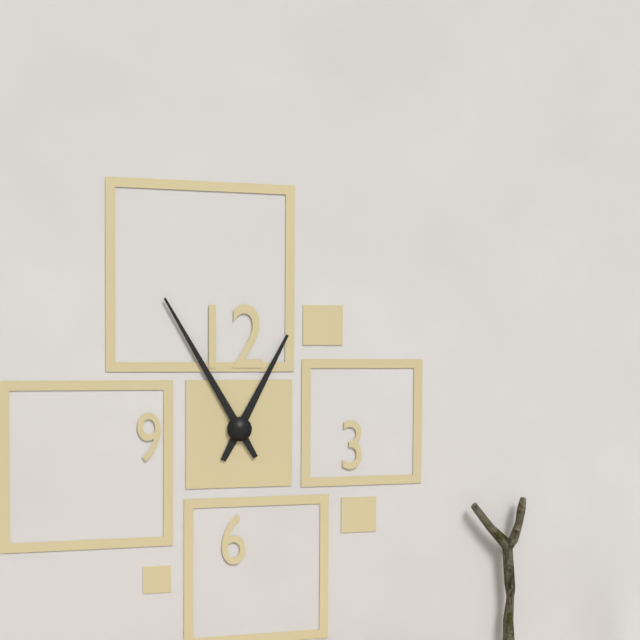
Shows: h=12 m=55
